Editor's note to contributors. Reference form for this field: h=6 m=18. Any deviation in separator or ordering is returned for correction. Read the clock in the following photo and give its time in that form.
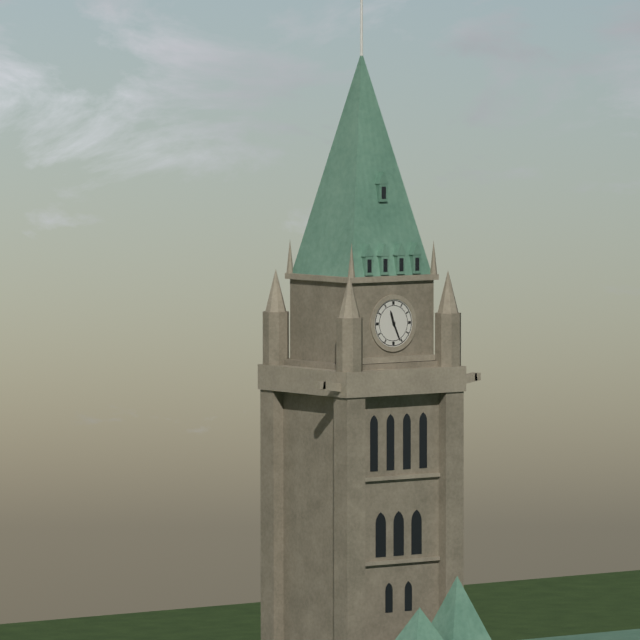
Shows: h=11 m=26
